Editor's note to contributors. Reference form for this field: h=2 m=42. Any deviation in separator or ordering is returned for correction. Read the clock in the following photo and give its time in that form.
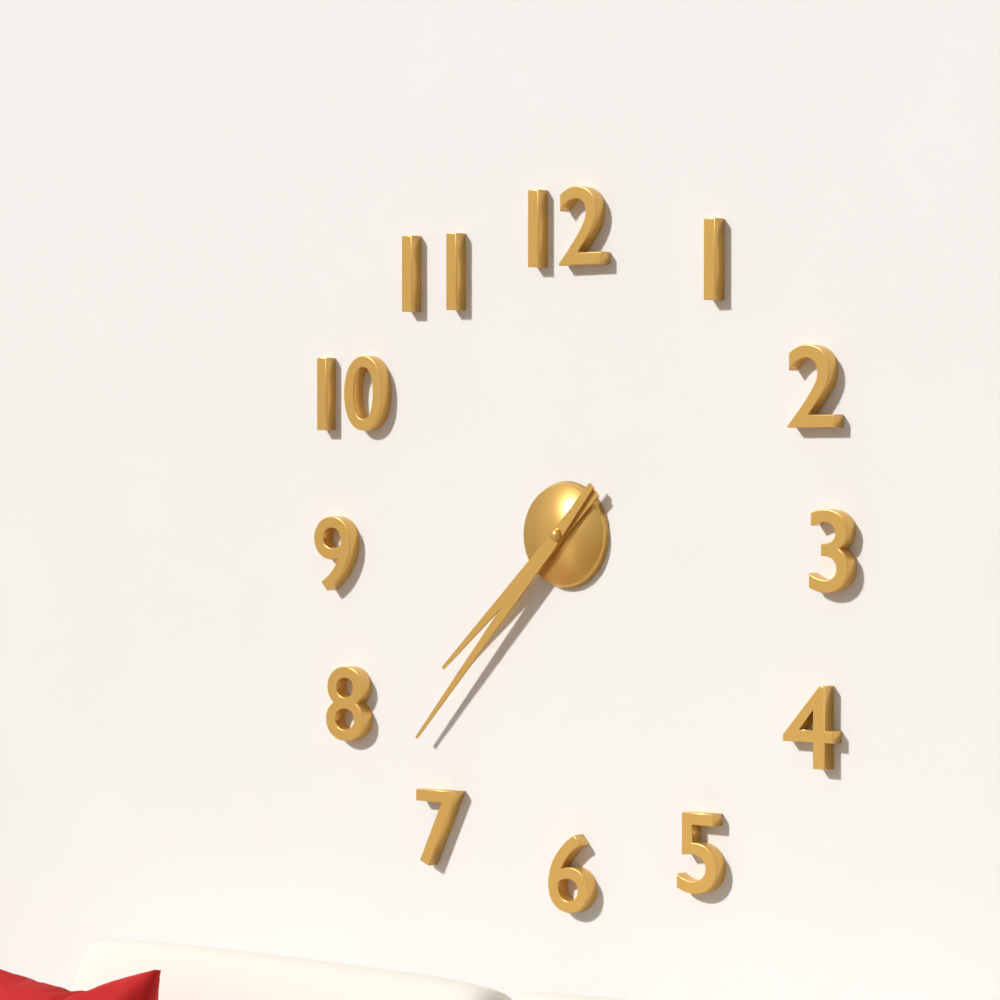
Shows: h=7 m=37
